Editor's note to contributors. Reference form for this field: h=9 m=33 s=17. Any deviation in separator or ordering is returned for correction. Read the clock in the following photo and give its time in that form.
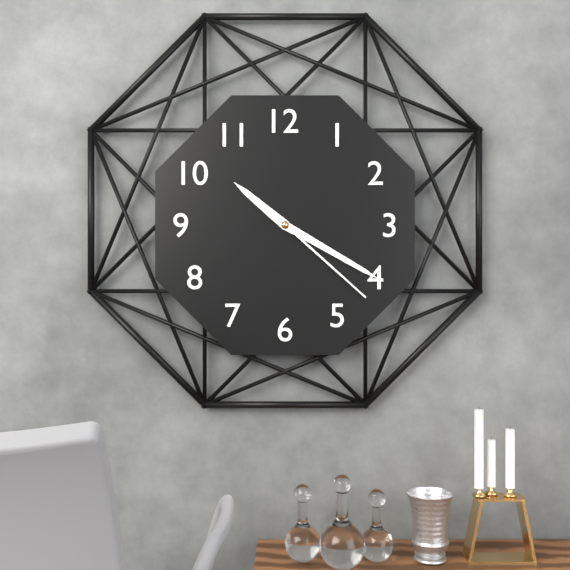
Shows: h=10 m=20 s=22
